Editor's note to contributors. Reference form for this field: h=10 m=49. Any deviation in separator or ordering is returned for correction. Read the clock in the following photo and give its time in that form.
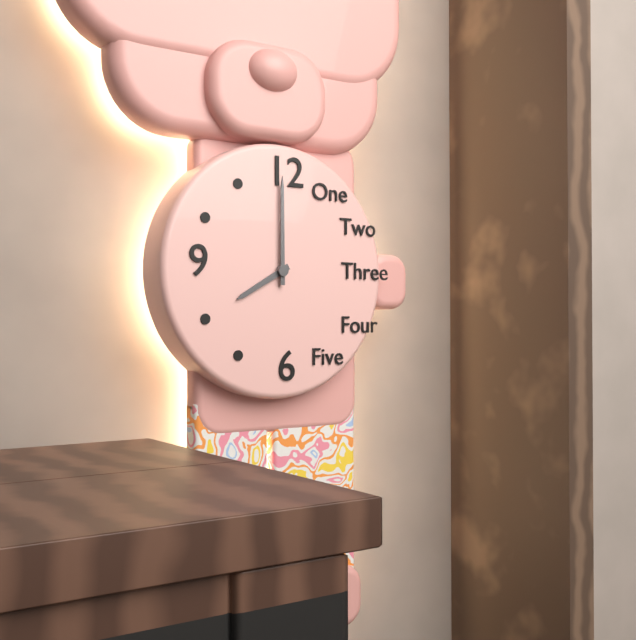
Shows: h=8 m=0
